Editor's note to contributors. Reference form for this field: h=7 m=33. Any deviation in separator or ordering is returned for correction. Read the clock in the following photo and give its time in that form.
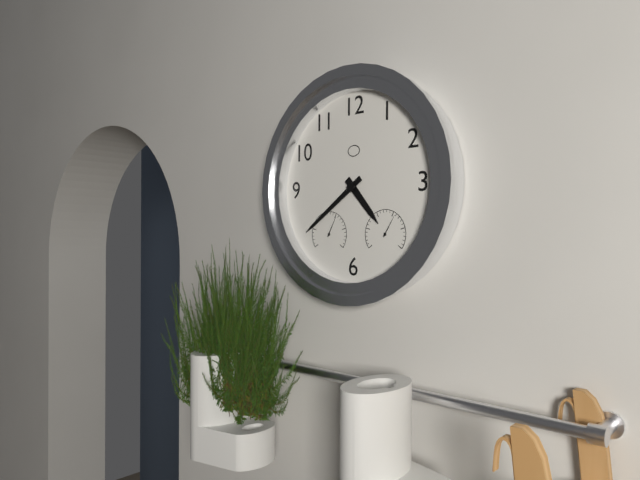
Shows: h=4 m=39
